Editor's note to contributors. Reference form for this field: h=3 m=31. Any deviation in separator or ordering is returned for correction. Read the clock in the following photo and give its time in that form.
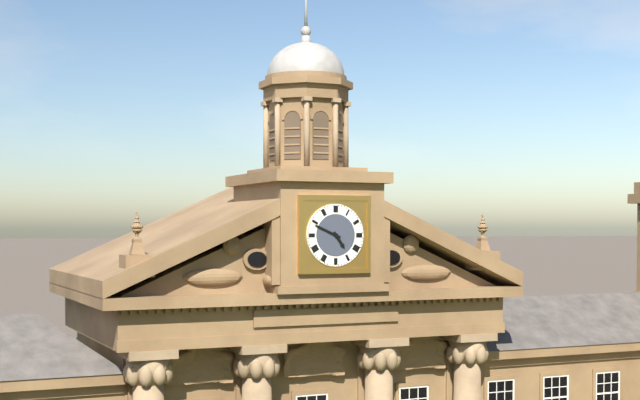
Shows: h=4 m=49
